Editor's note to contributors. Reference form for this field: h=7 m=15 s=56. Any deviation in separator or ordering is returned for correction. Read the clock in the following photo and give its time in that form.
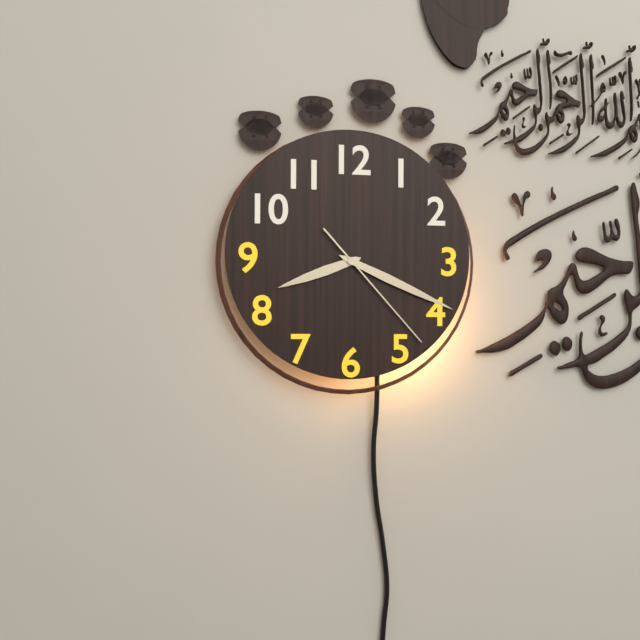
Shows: h=8 m=19 s=23
